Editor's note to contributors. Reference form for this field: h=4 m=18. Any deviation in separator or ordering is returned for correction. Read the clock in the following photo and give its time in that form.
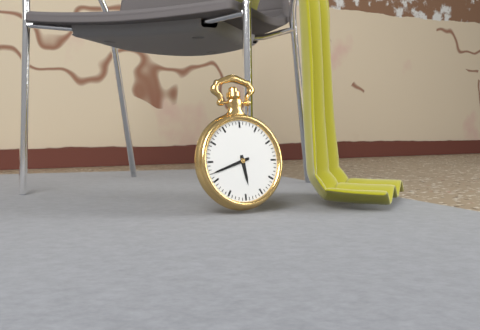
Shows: h=5 m=42
